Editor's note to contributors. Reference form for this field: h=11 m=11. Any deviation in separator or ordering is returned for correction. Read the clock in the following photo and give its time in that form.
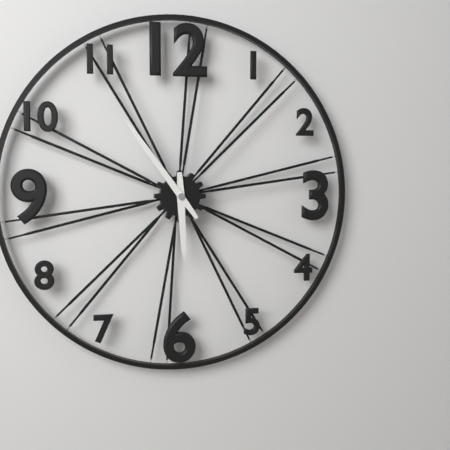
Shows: h=5 m=54
